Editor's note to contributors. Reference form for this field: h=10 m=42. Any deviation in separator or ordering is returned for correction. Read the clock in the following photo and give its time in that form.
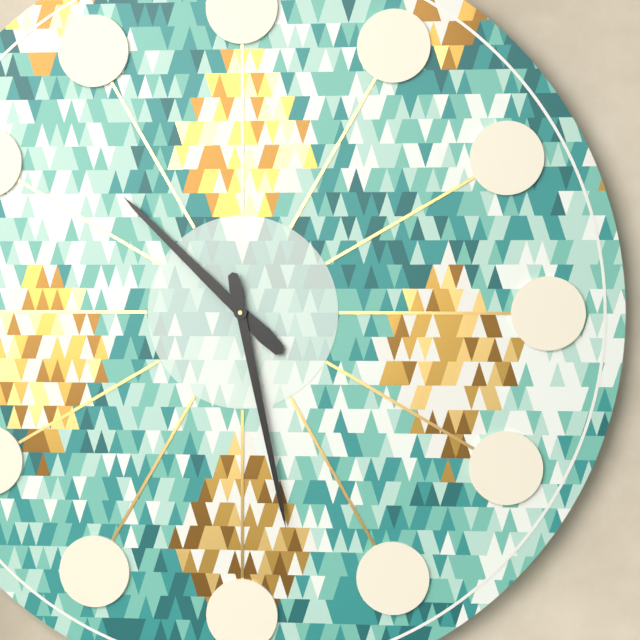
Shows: h=10 m=28
